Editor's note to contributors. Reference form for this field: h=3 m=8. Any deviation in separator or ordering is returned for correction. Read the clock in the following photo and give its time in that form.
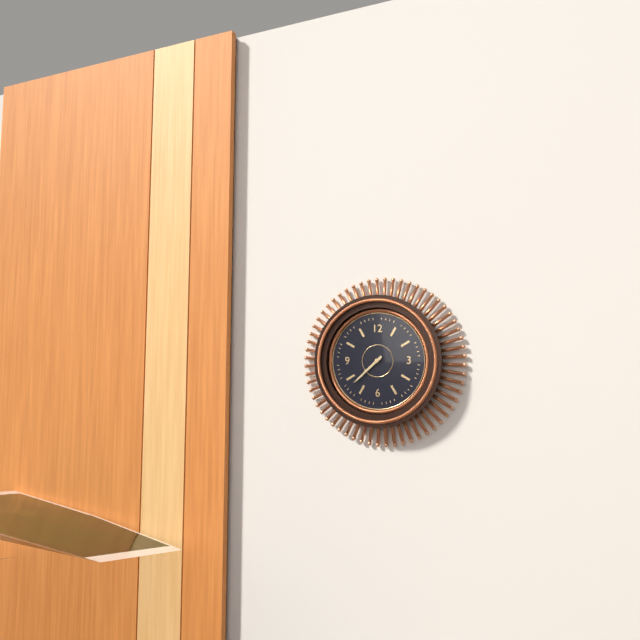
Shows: h=7 m=38
